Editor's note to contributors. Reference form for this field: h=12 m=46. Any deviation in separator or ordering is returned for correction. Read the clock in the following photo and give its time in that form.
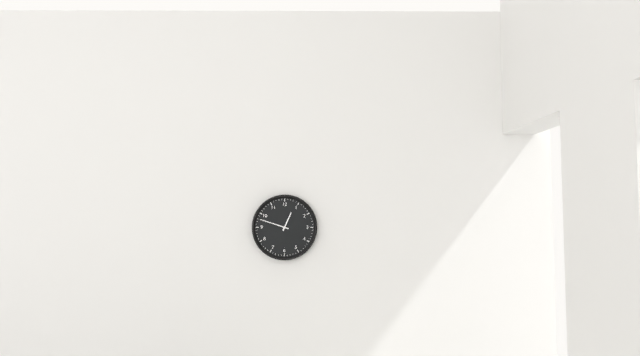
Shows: h=12 m=48
